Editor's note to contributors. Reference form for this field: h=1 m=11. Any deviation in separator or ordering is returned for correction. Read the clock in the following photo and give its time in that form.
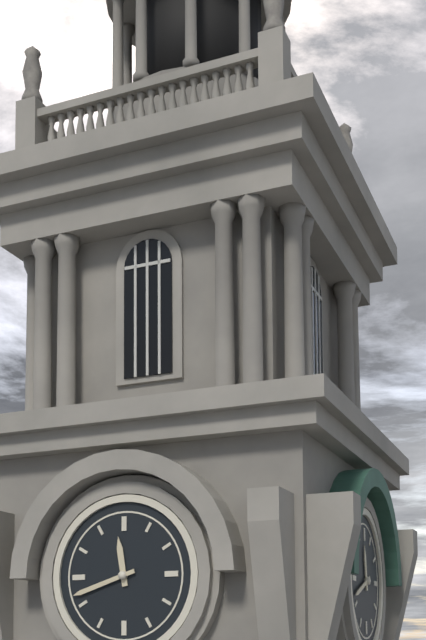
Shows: h=11 m=42
